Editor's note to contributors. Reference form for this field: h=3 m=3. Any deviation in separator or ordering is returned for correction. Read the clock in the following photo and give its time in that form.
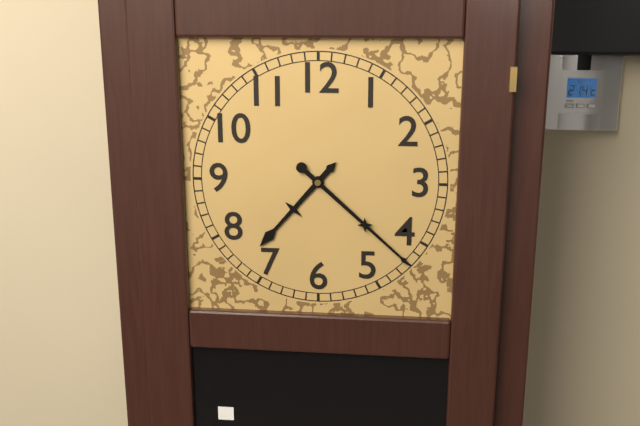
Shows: h=7 m=22
